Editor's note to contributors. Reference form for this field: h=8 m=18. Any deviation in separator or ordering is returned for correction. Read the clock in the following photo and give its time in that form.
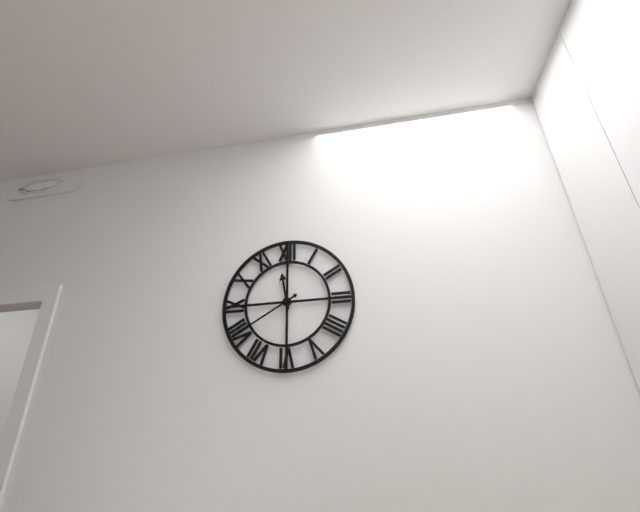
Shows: h=11 m=40
